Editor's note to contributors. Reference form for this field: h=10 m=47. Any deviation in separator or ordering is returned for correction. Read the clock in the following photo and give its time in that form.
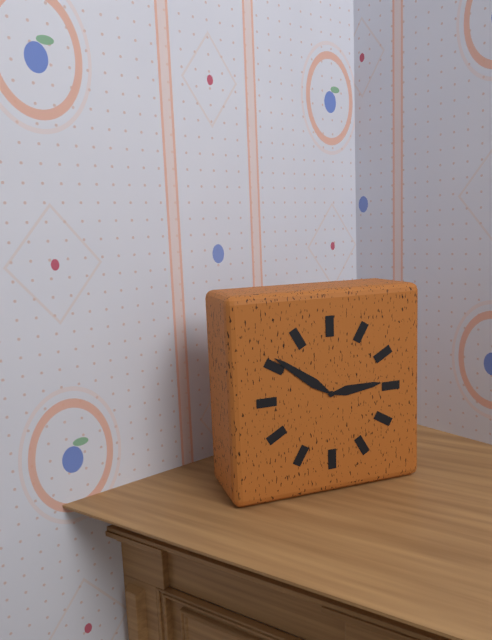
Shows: h=2 m=51
